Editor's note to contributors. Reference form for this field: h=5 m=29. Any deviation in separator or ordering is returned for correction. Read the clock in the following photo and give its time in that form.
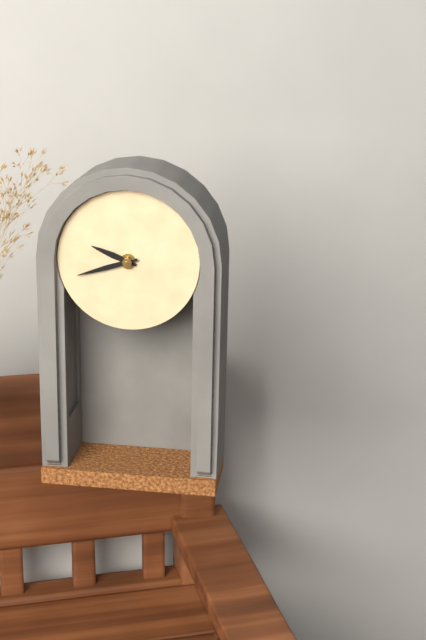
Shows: h=9 m=42
